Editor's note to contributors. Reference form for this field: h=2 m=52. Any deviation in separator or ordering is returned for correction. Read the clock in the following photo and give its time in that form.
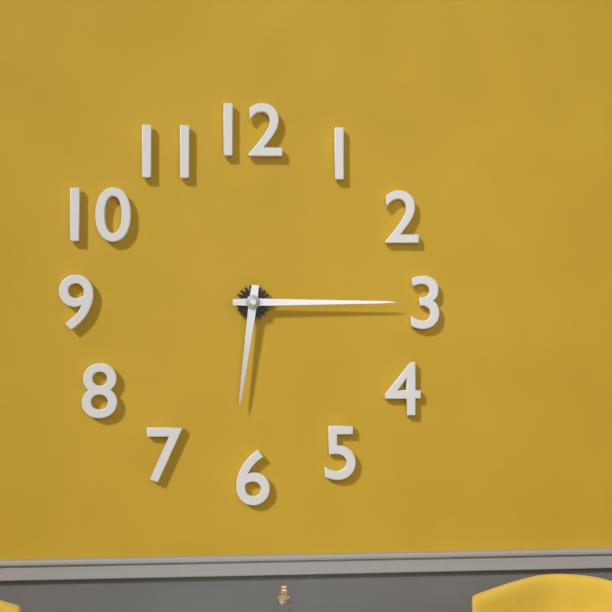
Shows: h=6 m=15
